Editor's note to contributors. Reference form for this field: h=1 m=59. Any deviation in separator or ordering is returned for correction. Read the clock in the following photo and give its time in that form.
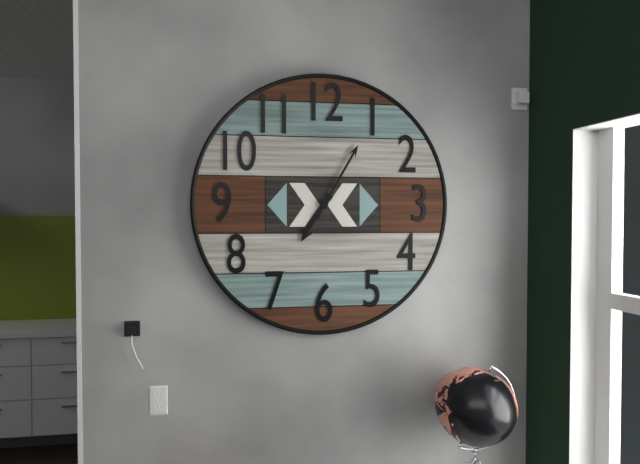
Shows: h=7 m=5
